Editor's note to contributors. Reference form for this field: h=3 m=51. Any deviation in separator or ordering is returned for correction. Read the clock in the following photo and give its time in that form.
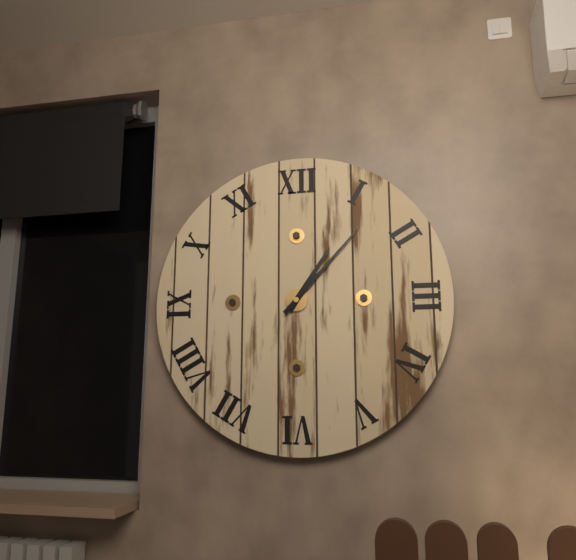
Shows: h=1 m=7
